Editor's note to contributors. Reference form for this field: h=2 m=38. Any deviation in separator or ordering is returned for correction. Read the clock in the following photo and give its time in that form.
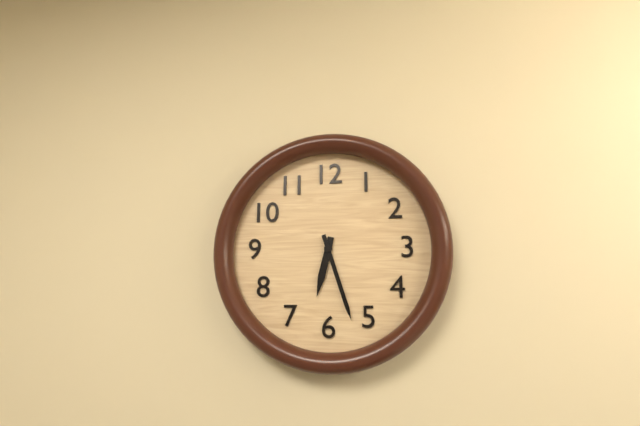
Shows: h=6 m=27
